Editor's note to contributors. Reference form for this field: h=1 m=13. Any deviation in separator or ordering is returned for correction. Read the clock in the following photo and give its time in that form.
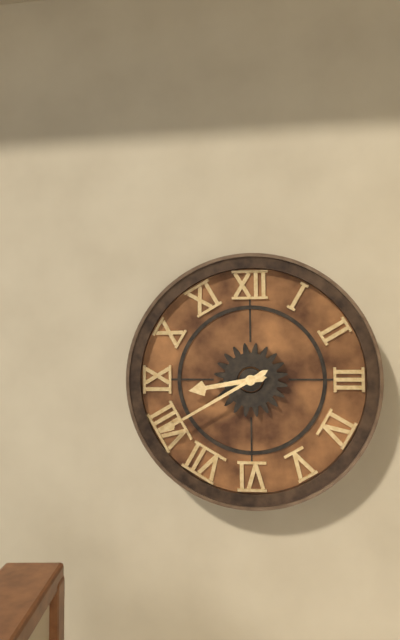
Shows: h=8 m=40
